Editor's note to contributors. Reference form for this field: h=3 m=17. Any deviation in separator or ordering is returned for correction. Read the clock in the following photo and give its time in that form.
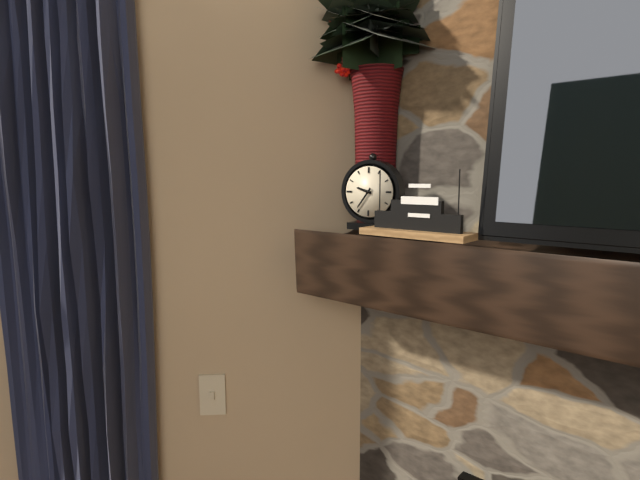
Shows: h=9 m=36
